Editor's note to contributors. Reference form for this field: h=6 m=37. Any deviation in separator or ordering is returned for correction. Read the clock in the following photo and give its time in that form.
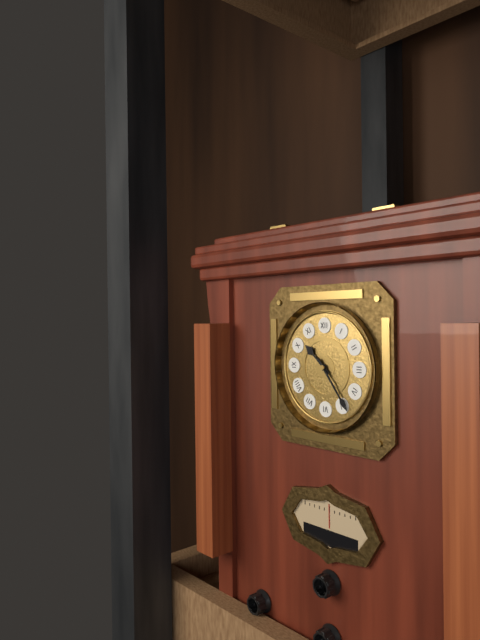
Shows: h=10 m=24
